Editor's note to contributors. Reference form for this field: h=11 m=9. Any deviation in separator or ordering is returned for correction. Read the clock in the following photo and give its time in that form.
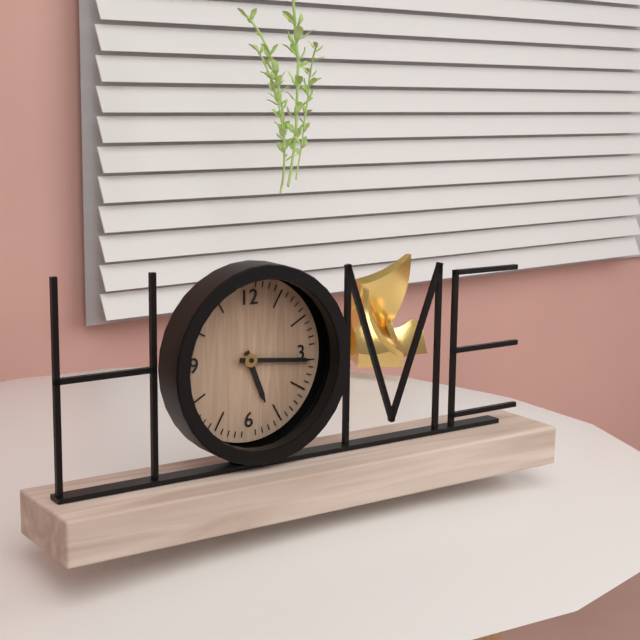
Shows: h=5 m=16
